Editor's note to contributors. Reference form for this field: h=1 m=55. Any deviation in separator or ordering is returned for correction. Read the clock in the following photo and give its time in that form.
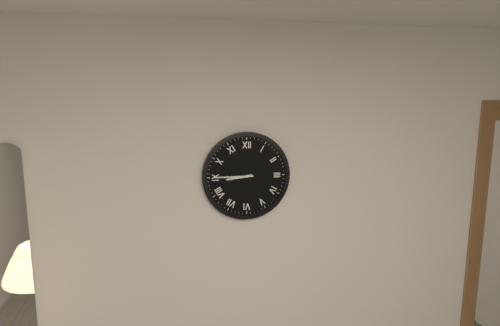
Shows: h=8 m=45
